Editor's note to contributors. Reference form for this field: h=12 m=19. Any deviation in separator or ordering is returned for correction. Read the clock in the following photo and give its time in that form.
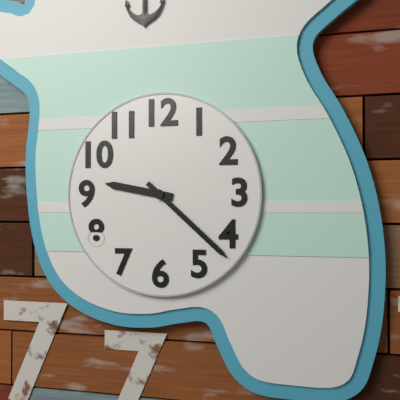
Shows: h=9 m=22
